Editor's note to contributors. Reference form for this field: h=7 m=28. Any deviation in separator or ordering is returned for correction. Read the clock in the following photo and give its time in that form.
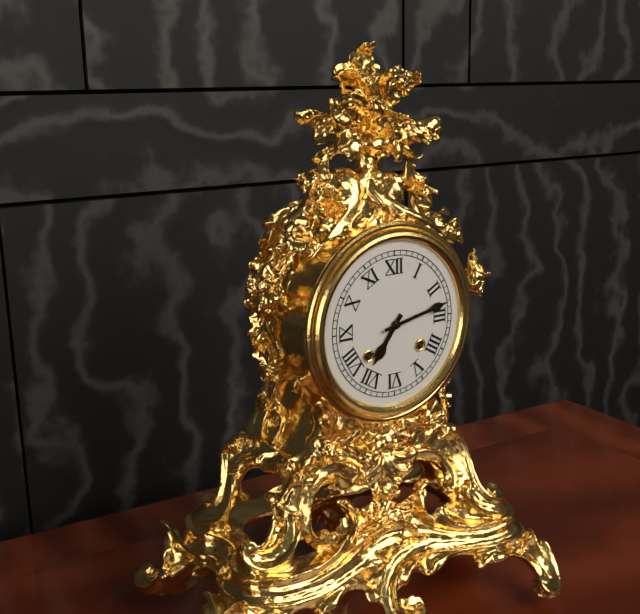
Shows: h=7 m=13
